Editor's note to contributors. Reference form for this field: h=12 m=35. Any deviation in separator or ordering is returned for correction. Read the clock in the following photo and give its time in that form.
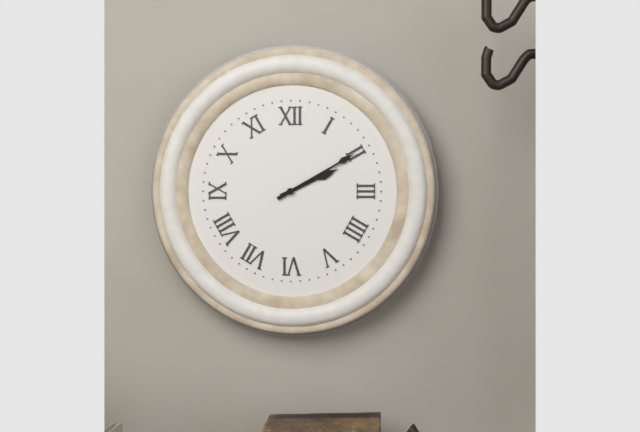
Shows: h=2 m=10
